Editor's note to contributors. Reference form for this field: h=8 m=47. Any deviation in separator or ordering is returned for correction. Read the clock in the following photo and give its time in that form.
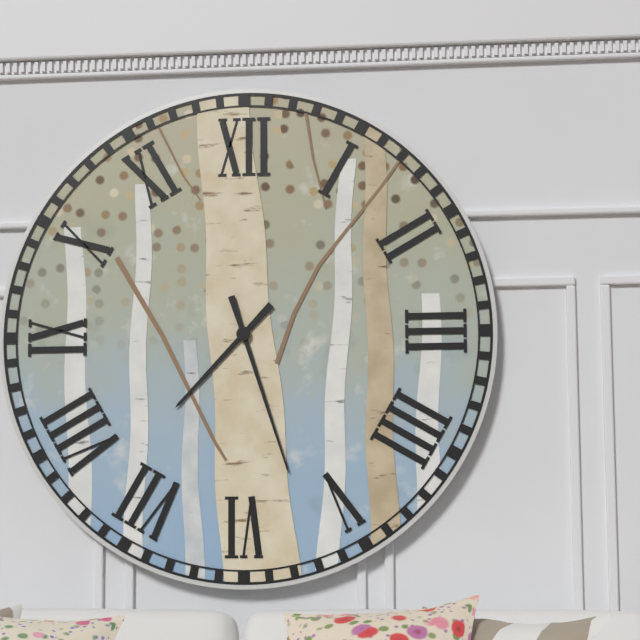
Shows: h=7 m=27
